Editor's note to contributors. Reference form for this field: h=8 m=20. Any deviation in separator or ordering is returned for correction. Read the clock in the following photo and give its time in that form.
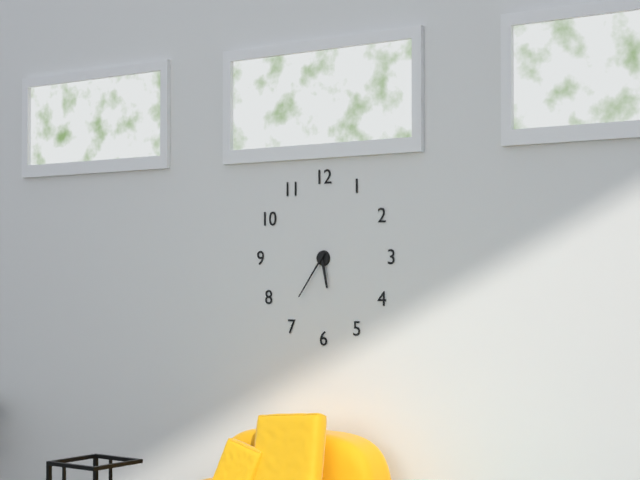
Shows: h=5 m=36
